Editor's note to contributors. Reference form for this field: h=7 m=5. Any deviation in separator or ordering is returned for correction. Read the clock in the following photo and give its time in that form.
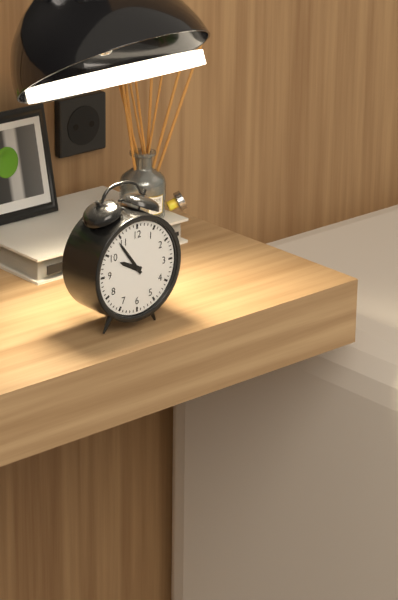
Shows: h=9 m=54
